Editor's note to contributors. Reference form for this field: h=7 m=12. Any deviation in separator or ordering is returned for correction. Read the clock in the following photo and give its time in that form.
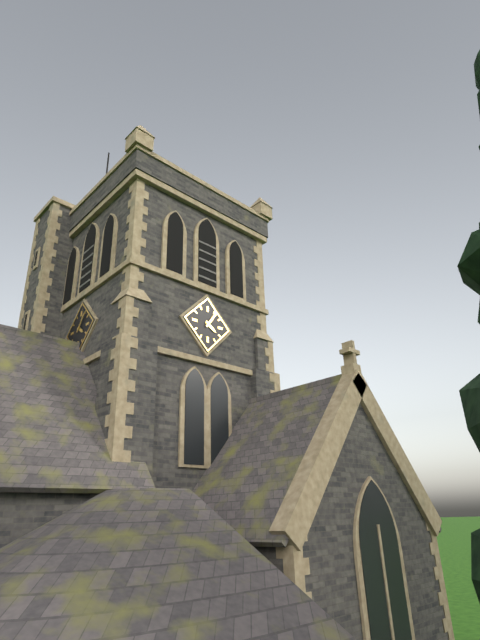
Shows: h=4 m=6
